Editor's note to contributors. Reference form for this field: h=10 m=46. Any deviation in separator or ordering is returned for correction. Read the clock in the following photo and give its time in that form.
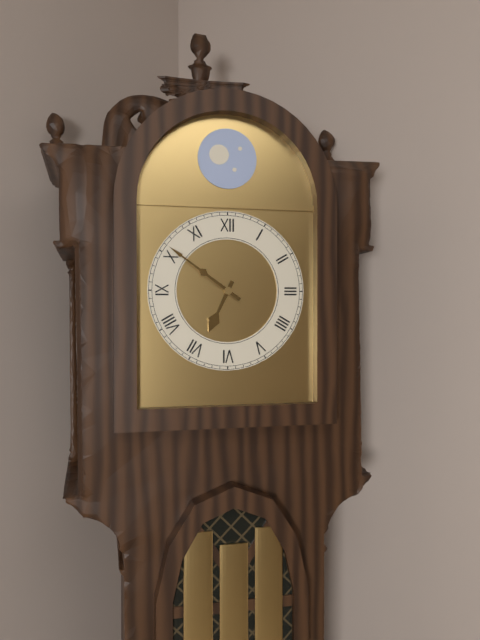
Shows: h=6 m=51
